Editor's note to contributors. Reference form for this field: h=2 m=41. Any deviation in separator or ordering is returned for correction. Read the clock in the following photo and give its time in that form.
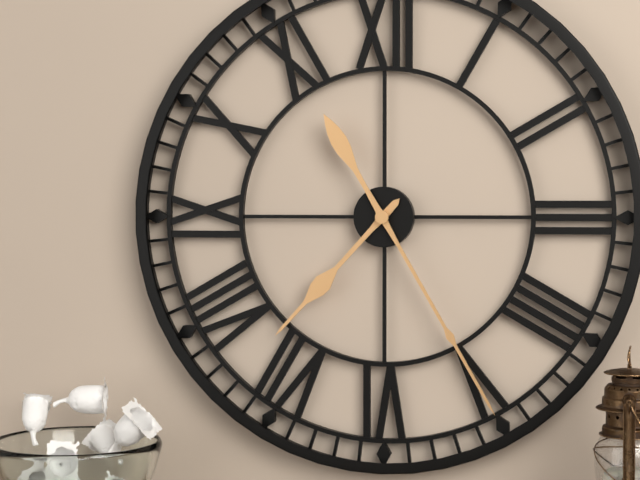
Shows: h=7 m=25
